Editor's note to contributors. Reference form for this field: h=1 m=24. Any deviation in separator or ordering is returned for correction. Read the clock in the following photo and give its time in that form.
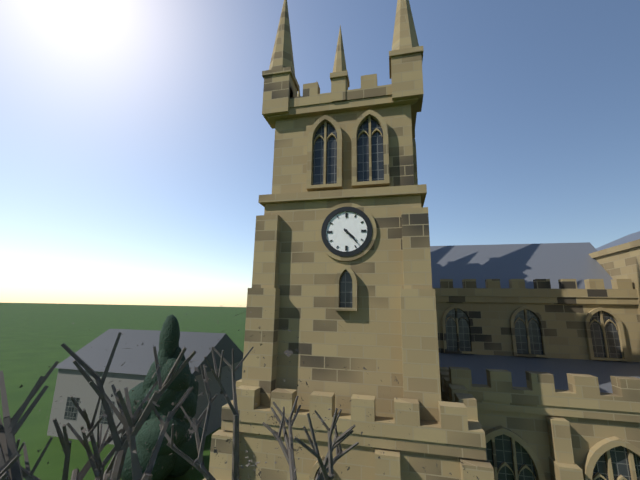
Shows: h=4 m=23
